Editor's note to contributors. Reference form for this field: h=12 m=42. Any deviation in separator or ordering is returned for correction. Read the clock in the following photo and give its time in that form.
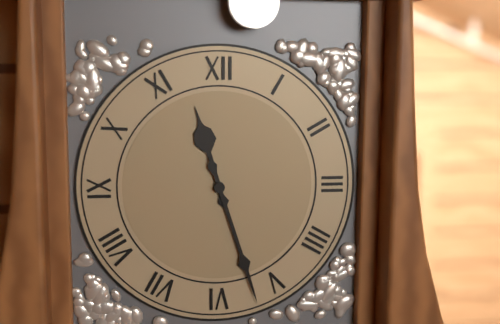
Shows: h=11 m=27
